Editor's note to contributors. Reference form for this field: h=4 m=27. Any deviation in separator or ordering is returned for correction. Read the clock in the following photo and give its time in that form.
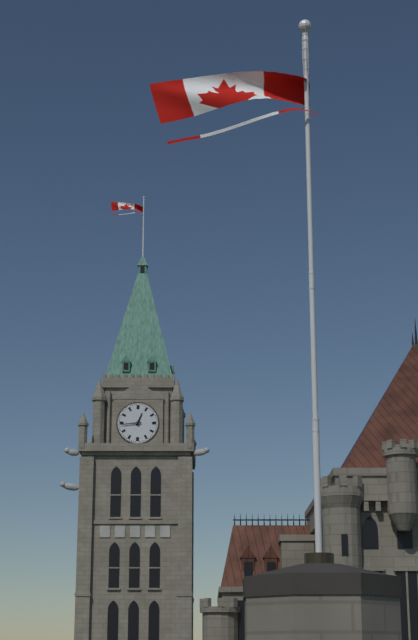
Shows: h=12 m=44
